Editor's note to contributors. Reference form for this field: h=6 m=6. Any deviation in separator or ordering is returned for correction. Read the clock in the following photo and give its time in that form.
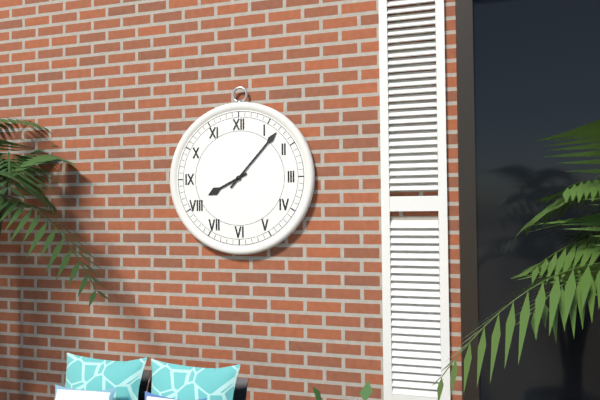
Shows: h=8 m=7
